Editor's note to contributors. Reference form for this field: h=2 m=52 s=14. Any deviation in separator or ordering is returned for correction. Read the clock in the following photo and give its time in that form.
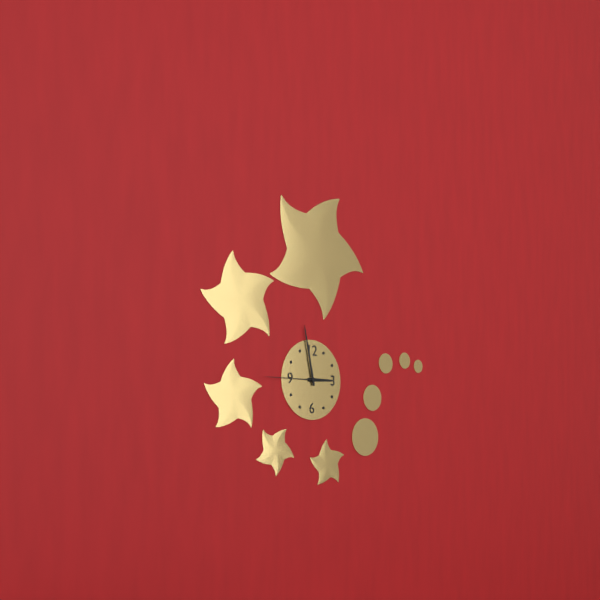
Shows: h=2 m=58 s=45
